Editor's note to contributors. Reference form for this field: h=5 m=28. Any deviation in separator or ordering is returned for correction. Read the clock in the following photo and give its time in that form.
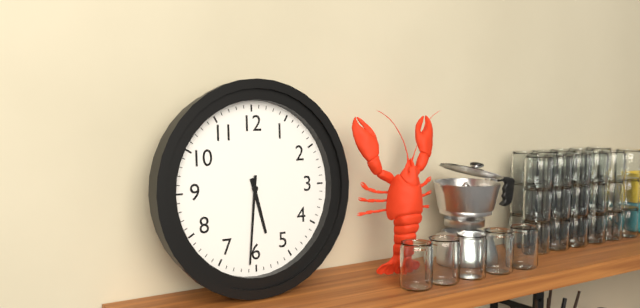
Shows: h=5 m=31
